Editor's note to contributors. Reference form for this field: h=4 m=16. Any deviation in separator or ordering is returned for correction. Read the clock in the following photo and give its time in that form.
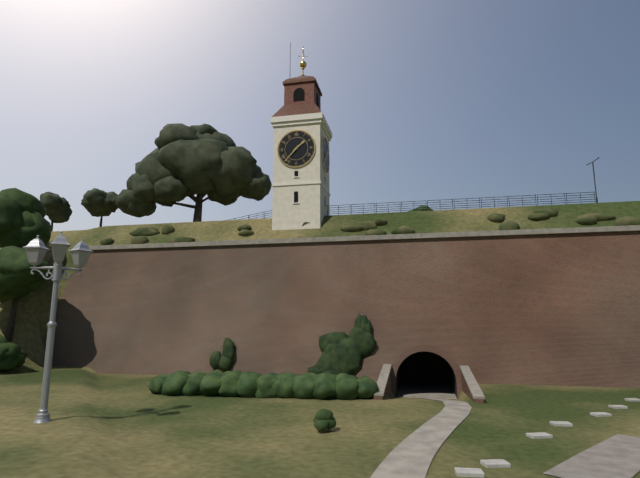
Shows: h=1 m=37
